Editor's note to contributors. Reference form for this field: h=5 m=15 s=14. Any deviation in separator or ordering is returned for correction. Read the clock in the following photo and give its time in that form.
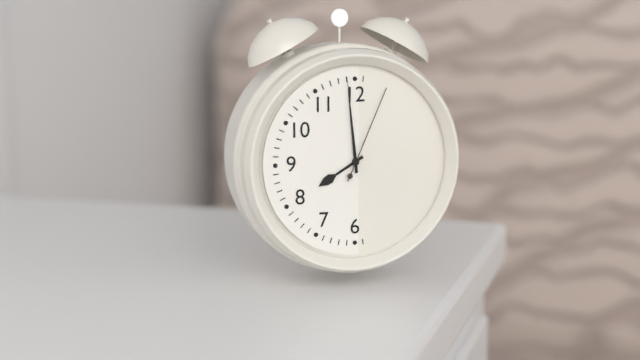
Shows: h=7 m=59 s=4
